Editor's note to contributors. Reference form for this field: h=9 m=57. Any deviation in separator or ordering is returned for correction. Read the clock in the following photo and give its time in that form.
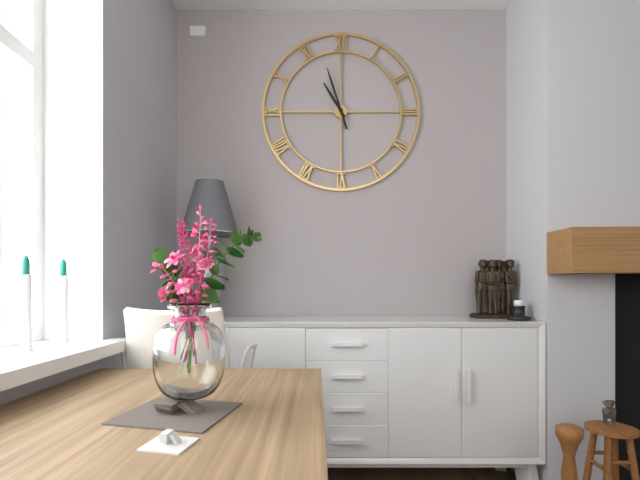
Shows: h=10 m=57
